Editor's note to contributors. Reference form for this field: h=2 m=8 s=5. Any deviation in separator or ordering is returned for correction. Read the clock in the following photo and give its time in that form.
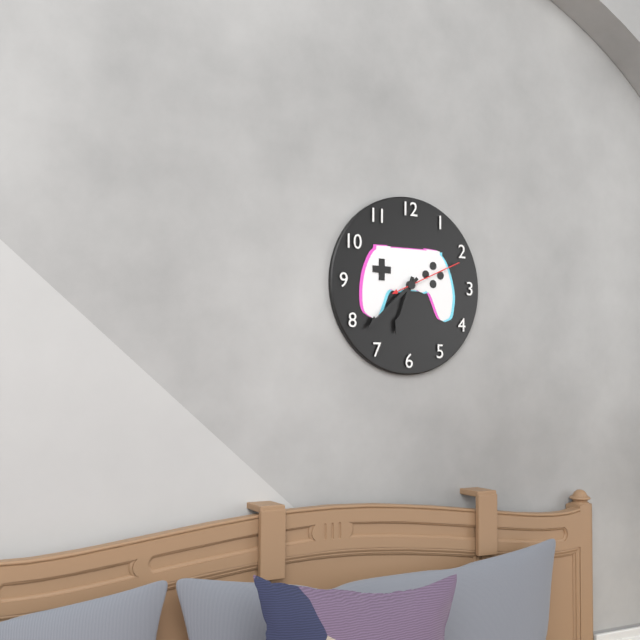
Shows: h=6 m=38 s=11
